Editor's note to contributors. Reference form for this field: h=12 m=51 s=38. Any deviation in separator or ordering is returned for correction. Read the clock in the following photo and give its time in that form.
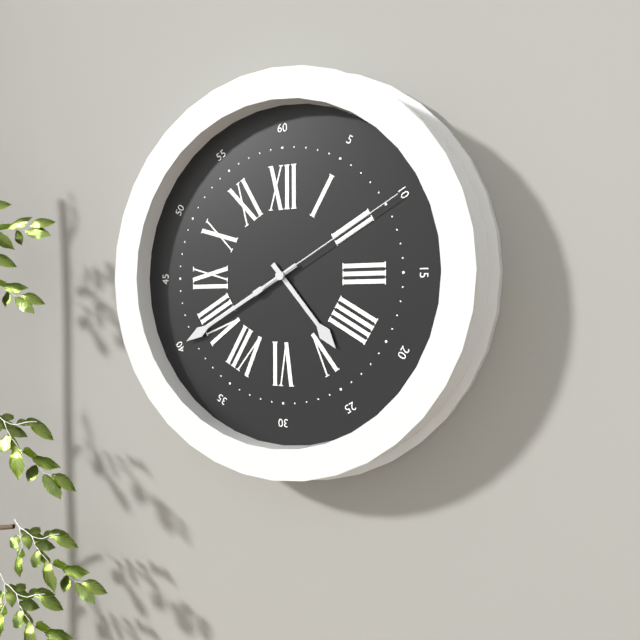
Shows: h=4 m=40 s=10
